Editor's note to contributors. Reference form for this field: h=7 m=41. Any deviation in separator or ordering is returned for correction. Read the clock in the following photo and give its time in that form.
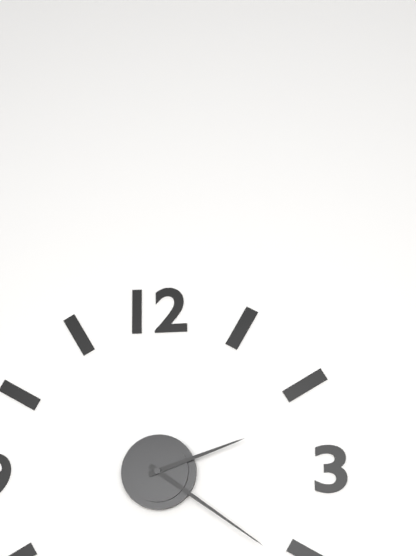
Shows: h=2 m=21
